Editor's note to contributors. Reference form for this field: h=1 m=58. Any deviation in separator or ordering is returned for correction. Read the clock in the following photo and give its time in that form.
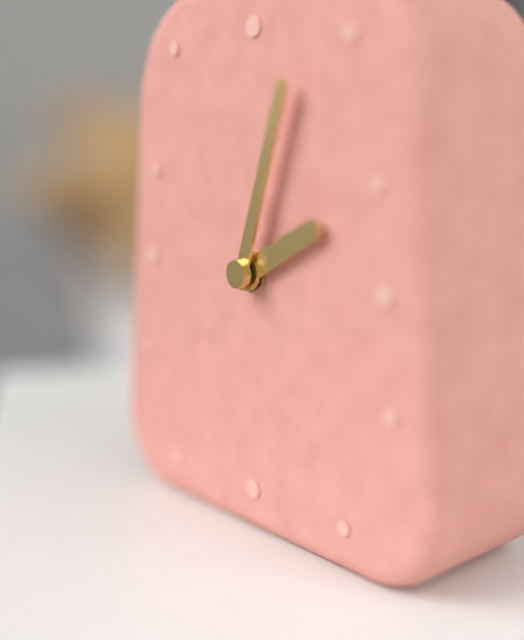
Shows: h=2 m=3
